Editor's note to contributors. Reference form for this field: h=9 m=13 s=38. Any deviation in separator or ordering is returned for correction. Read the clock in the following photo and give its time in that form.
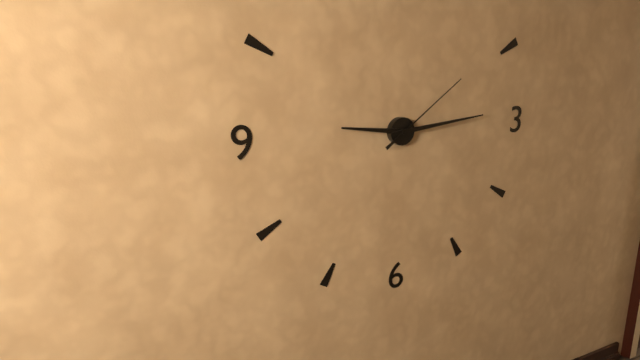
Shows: h=9 m=14 s=9
